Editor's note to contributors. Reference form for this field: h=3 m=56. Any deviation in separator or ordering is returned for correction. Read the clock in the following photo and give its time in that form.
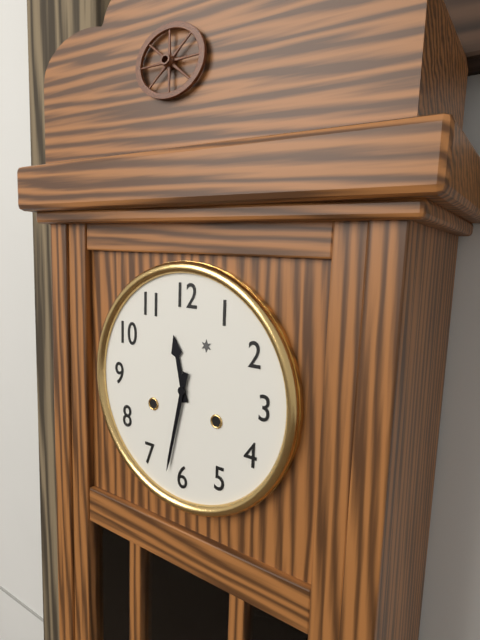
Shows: h=11 m=32
